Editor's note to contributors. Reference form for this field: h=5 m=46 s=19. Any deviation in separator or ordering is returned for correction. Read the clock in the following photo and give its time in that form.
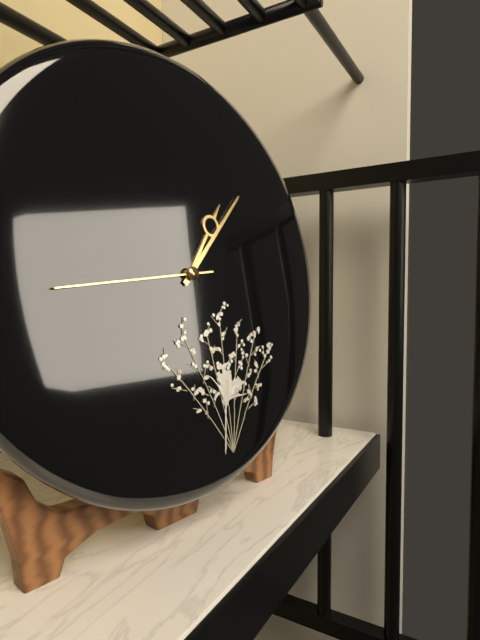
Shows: h=1 m=7 s=44
